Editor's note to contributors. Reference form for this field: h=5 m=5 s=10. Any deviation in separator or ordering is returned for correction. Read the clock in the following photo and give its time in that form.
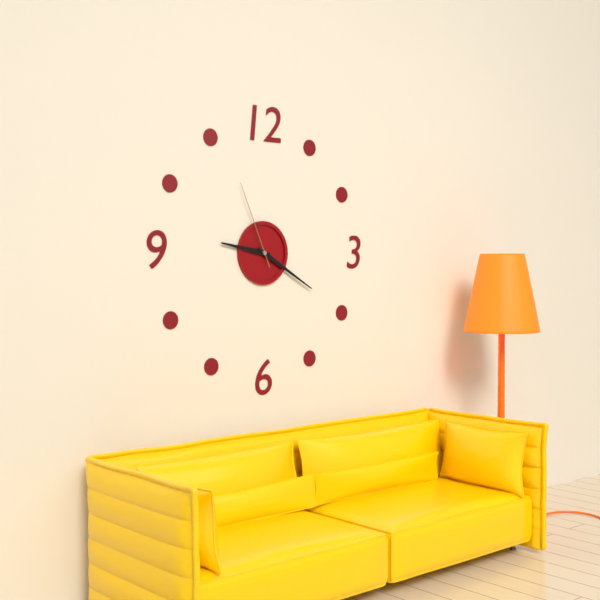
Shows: h=9 m=20 s=56
